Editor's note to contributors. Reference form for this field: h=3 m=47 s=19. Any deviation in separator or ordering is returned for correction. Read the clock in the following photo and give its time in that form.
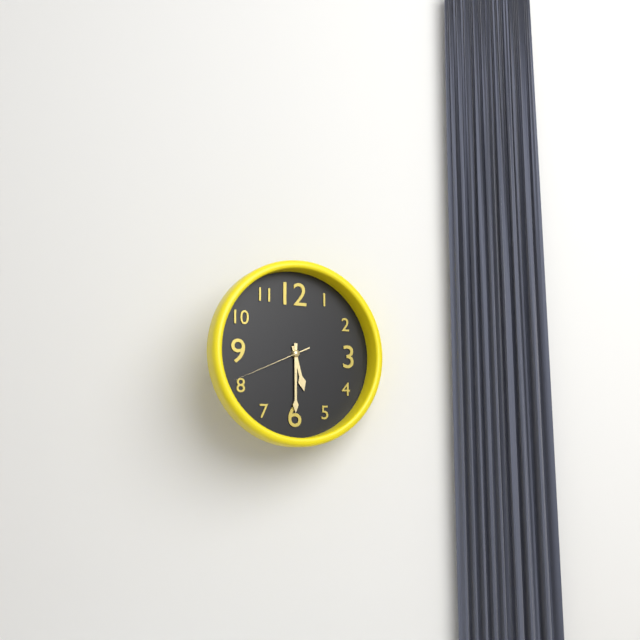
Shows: h=5 m=30 s=41
